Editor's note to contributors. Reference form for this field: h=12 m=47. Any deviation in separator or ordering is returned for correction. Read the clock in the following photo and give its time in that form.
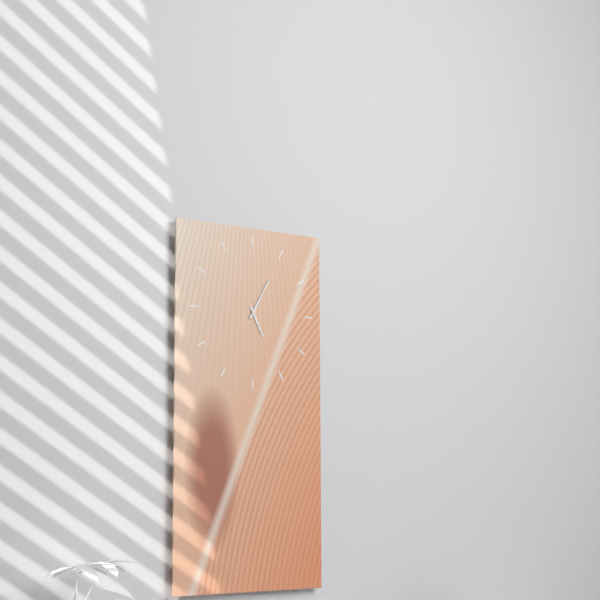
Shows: h=5 m=5
